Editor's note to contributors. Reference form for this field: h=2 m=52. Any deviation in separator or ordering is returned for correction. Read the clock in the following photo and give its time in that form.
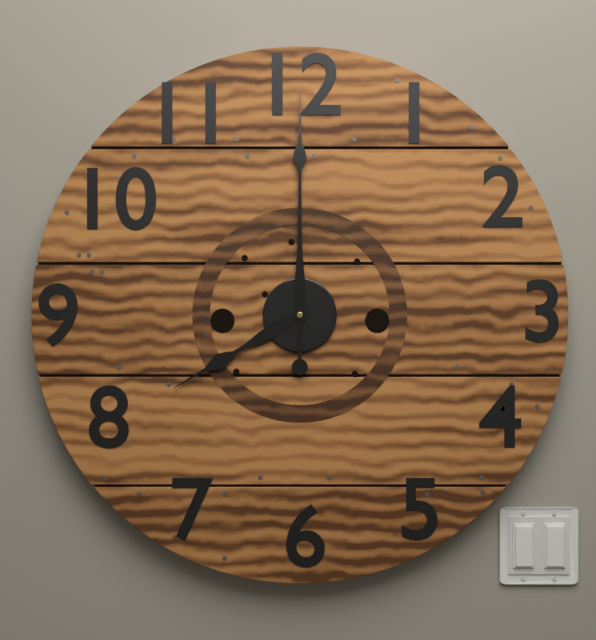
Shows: h=8 m=0
